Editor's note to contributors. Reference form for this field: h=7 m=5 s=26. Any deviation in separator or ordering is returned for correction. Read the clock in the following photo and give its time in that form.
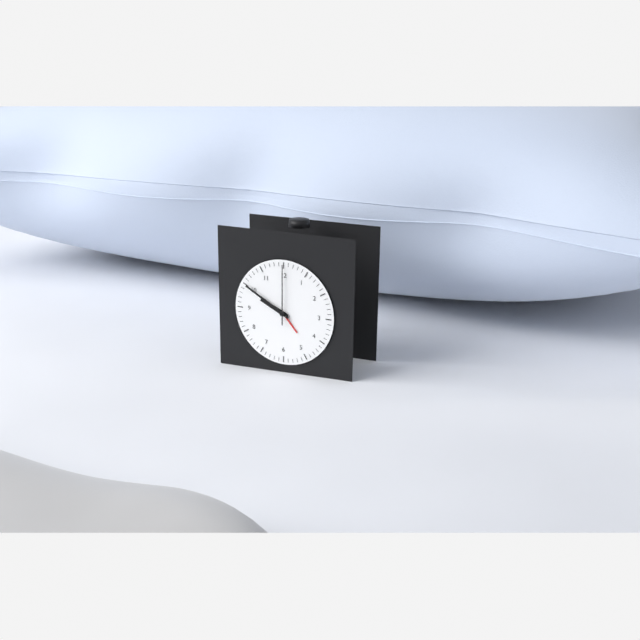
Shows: h=9 m=50 s=0
